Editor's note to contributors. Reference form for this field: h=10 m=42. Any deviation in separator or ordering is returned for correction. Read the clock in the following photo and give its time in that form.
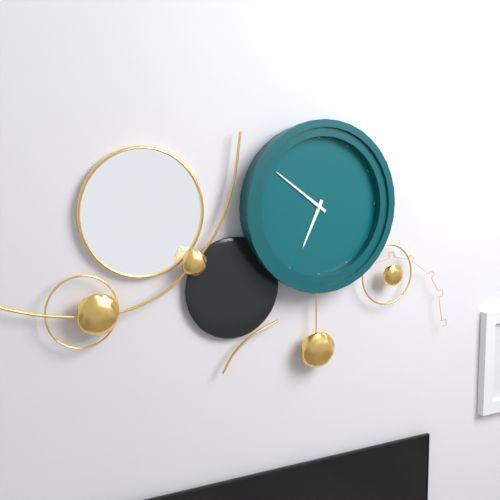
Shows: h=6 m=51
